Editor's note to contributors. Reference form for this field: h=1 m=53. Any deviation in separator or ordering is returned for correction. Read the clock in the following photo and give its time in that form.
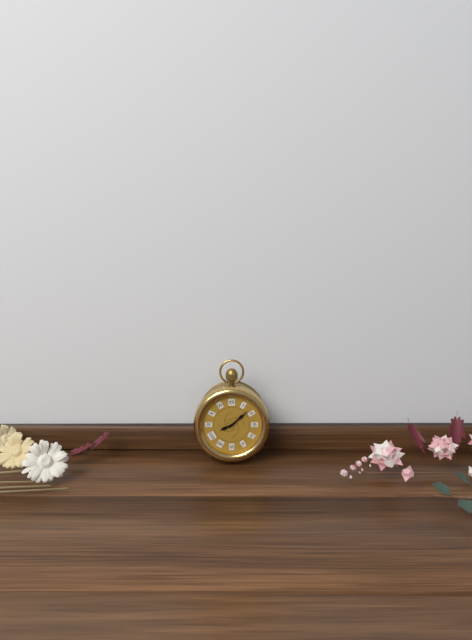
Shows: h=8 m=8
